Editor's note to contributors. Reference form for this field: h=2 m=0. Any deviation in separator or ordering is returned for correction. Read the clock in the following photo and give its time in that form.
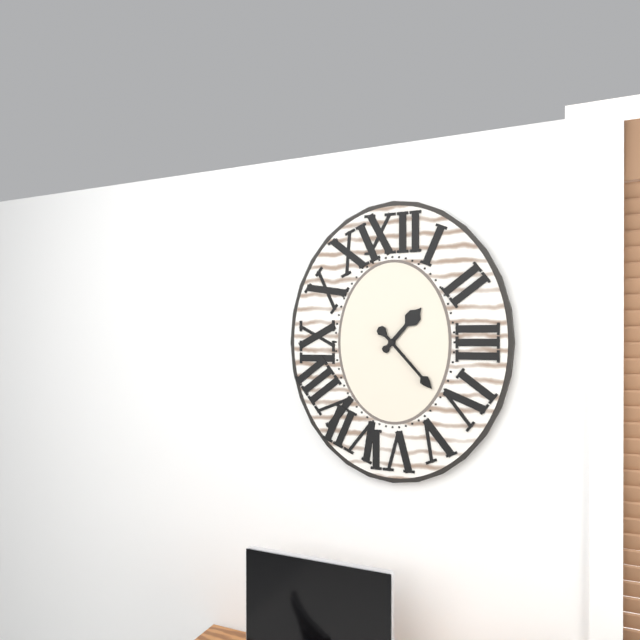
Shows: h=1 m=23
